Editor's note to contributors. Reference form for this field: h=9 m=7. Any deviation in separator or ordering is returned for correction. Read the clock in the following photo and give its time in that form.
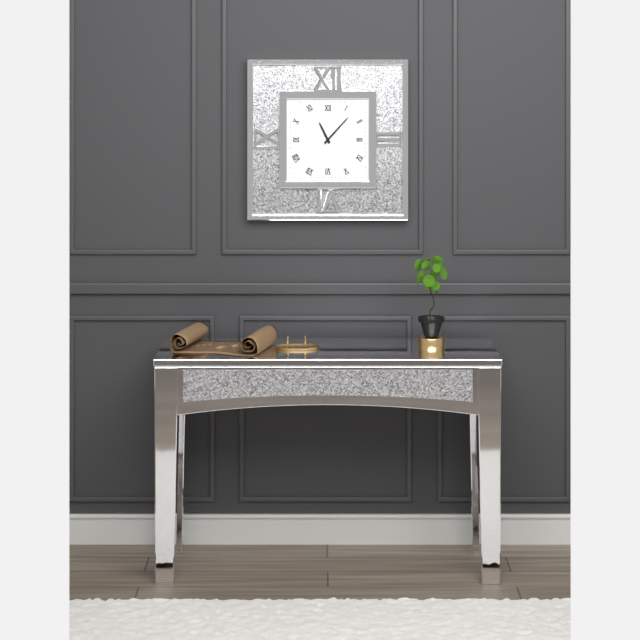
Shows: h=11 m=7
